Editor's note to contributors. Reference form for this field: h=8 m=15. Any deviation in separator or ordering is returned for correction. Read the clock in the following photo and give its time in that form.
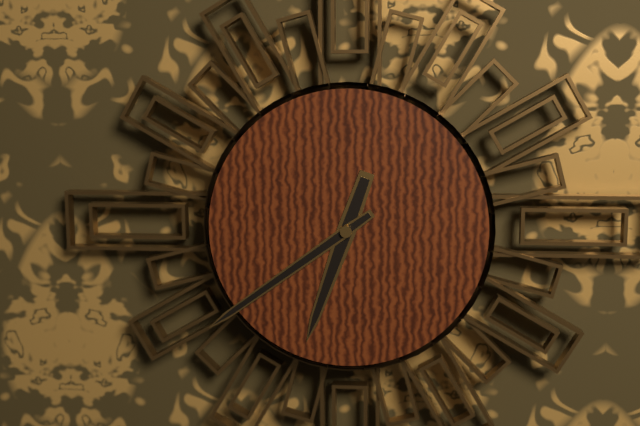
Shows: h=6 m=39
